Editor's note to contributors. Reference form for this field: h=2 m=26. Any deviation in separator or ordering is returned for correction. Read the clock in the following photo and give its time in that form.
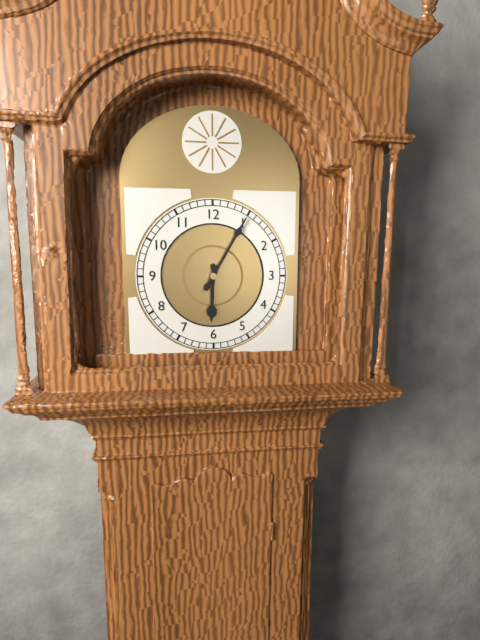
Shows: h=6 m=5
